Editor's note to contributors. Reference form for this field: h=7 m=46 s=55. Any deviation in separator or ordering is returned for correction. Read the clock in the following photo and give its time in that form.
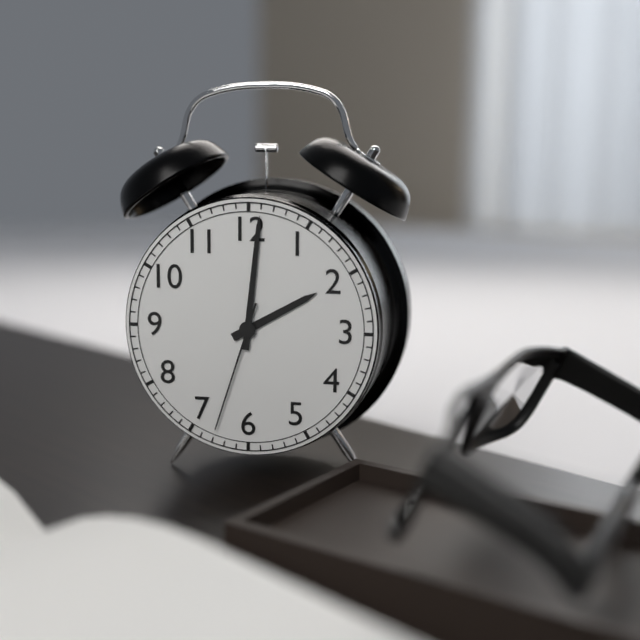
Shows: h=2 m=1 s=33
